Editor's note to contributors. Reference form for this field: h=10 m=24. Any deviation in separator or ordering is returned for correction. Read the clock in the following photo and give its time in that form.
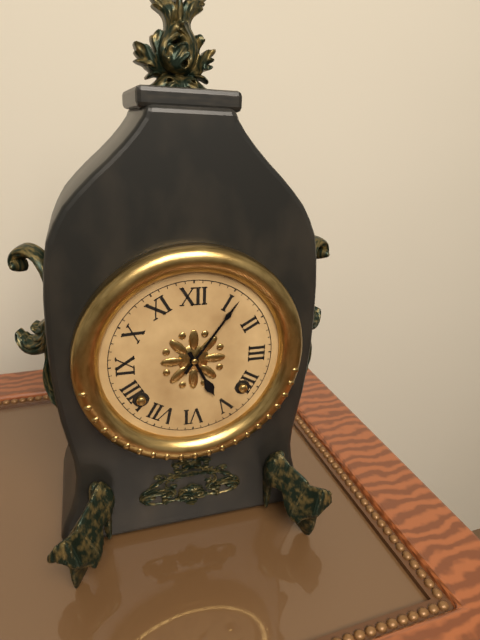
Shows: h=5 m=6
